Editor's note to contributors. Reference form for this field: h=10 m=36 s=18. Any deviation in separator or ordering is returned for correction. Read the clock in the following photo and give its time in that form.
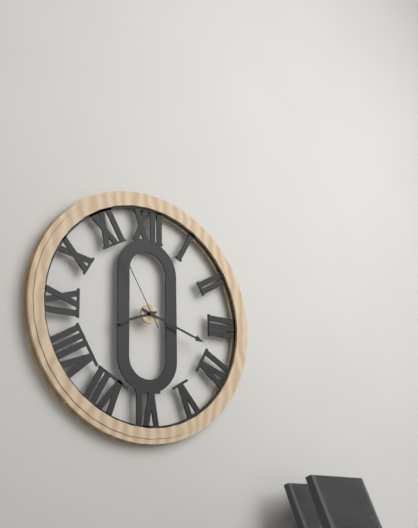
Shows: h=8 m=18 s=55
